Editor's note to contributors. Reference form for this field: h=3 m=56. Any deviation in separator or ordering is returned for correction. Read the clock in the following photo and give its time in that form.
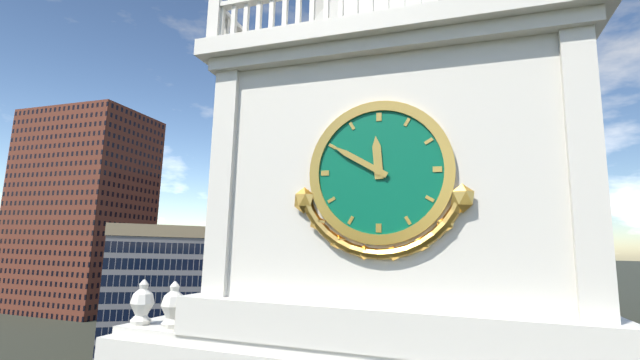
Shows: h=11 m=50
